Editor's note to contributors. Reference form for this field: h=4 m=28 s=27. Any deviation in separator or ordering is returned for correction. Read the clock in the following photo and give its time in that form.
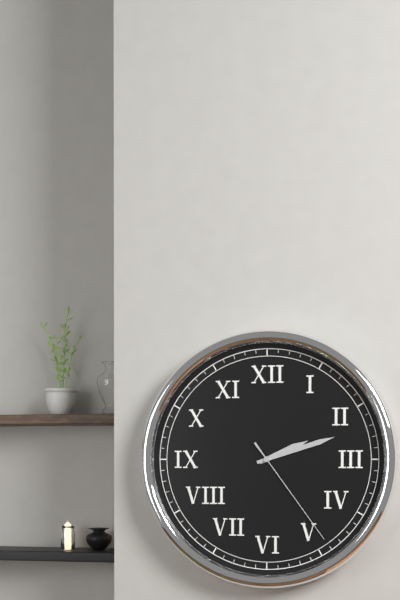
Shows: h=2 m=12 s=24
